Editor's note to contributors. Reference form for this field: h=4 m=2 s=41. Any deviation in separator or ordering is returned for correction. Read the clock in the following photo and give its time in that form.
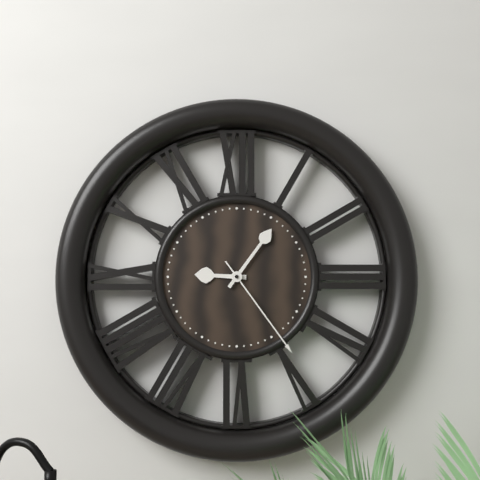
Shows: h=9 m=6 s=24
